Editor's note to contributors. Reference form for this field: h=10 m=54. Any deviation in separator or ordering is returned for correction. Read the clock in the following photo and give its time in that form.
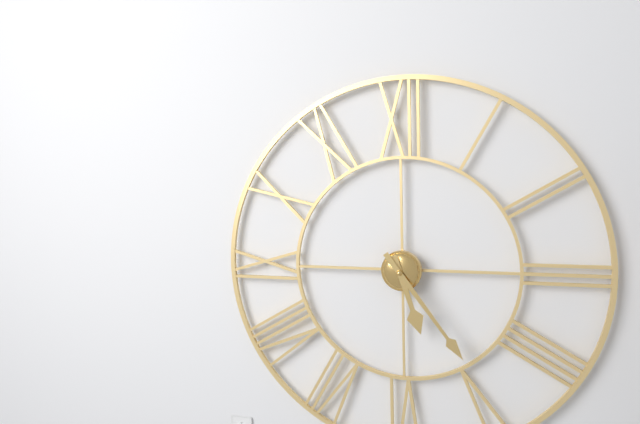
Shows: h=5 m=24
